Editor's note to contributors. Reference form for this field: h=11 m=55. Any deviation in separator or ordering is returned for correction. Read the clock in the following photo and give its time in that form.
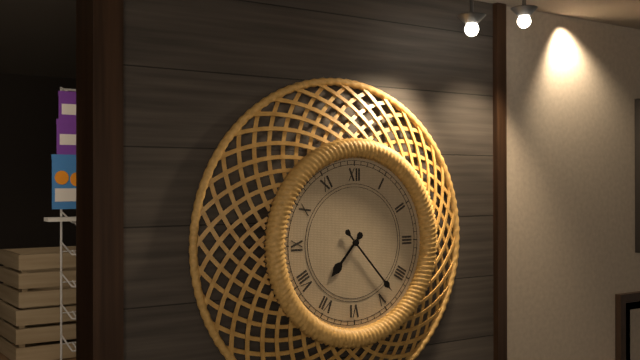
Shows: h=7 m=23
